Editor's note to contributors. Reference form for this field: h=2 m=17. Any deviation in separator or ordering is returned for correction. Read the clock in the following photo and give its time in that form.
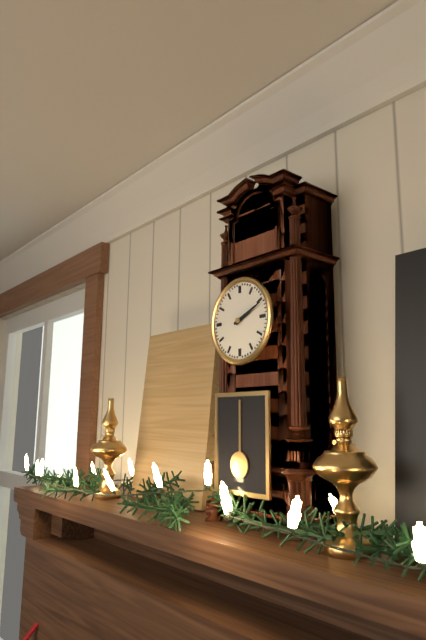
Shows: h=2 m=11
